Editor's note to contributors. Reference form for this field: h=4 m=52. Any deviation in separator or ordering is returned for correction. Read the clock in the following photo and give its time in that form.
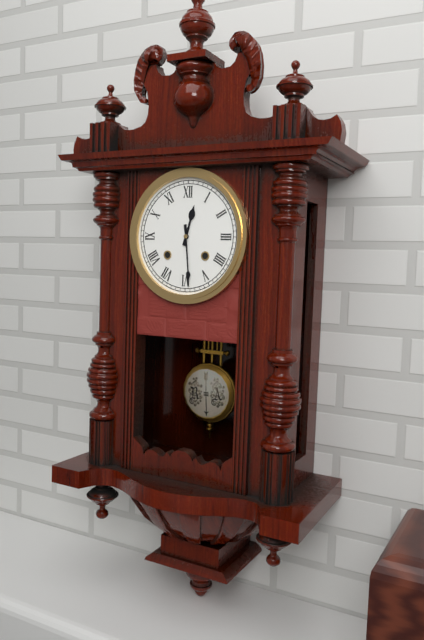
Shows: h=12 m=29
